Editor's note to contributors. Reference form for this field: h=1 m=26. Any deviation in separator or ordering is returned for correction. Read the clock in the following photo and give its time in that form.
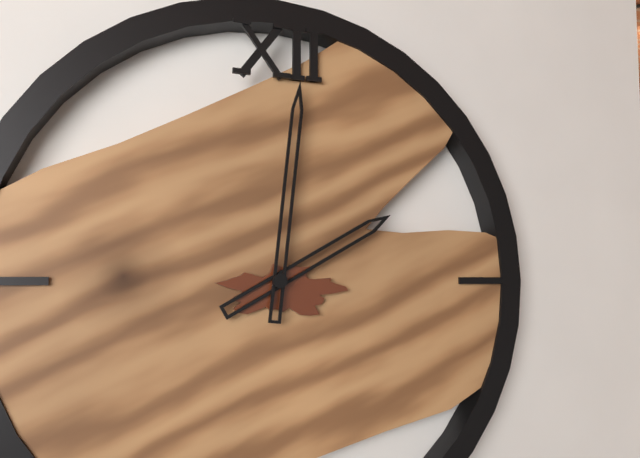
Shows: h=2 m=1
